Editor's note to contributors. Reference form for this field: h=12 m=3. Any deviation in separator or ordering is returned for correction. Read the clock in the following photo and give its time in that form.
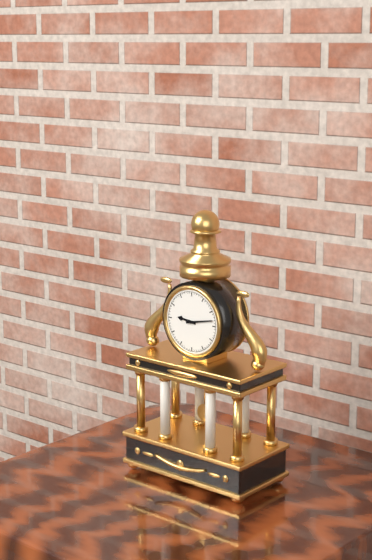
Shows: h=9 m=13
